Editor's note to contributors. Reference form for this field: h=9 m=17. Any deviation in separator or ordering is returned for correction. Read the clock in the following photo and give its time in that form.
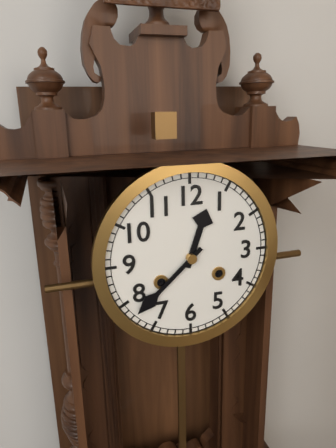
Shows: h=12 m=38
